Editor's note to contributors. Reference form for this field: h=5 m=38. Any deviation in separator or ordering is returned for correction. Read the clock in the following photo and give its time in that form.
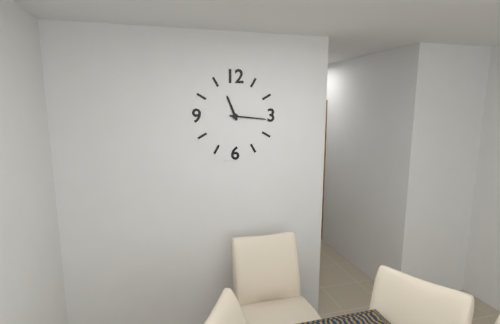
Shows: h=11 m=16
